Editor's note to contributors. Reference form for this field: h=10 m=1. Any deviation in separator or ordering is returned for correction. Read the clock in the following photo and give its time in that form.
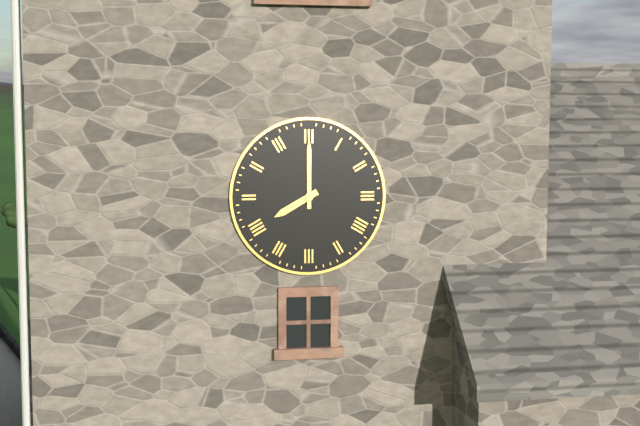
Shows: h=8 m=0
